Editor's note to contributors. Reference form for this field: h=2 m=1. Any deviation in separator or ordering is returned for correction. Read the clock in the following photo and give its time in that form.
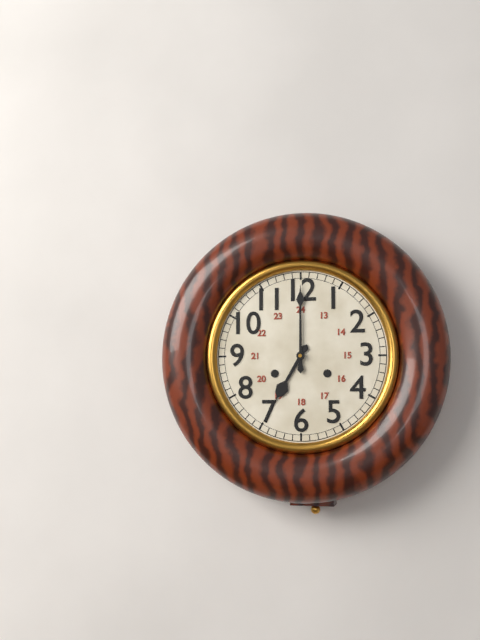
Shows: h=7 m=0
